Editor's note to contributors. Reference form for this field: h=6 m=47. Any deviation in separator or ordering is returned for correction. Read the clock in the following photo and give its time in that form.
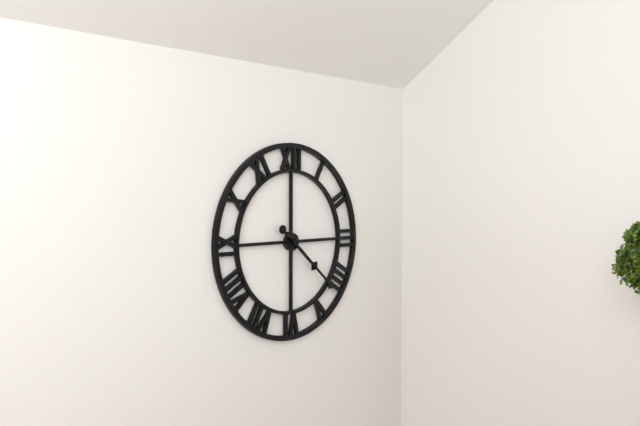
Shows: h=4 m=22
